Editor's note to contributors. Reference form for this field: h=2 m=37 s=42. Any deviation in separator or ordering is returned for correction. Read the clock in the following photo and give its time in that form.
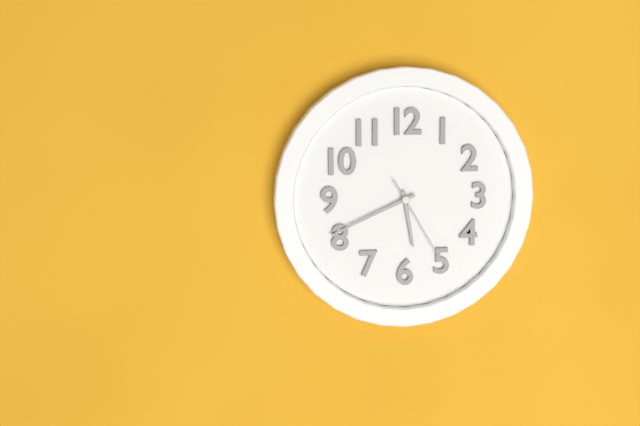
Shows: h=5 m=41 s=25
